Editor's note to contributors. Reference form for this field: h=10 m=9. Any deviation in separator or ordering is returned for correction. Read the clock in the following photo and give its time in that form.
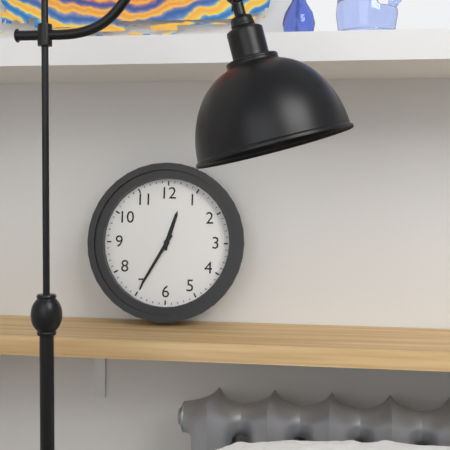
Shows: h=12 m=35
